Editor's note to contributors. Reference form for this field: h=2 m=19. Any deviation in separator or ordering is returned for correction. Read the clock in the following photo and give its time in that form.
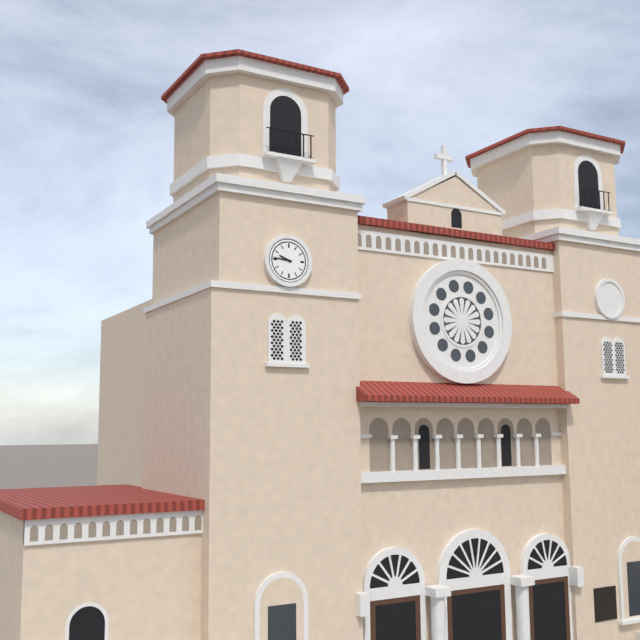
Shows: h=9 m=46
